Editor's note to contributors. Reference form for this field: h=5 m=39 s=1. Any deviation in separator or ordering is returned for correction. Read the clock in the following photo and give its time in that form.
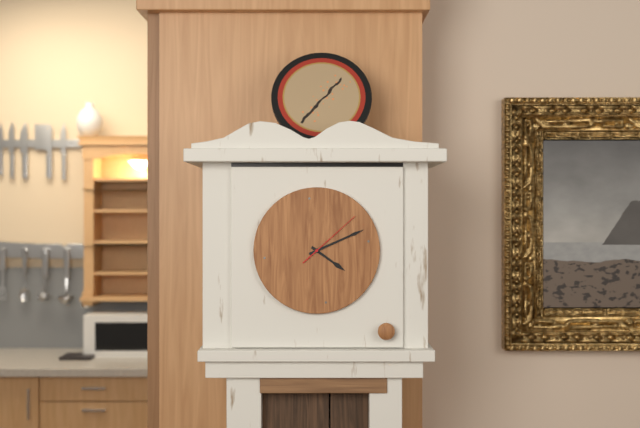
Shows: h=4 m=11 s=8
